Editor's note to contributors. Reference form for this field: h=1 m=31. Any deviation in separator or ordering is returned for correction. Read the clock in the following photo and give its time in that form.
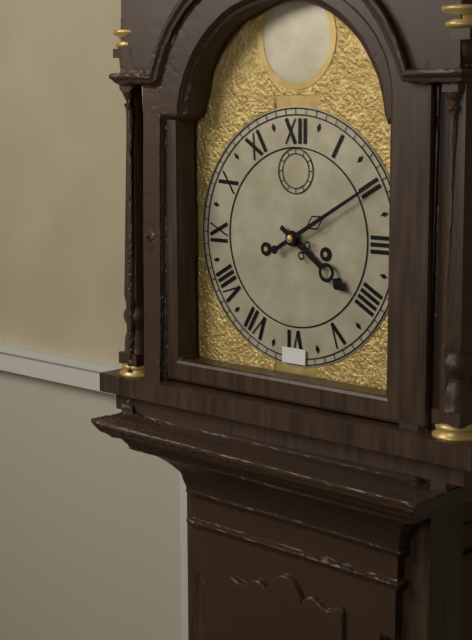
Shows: h=4 m=10
